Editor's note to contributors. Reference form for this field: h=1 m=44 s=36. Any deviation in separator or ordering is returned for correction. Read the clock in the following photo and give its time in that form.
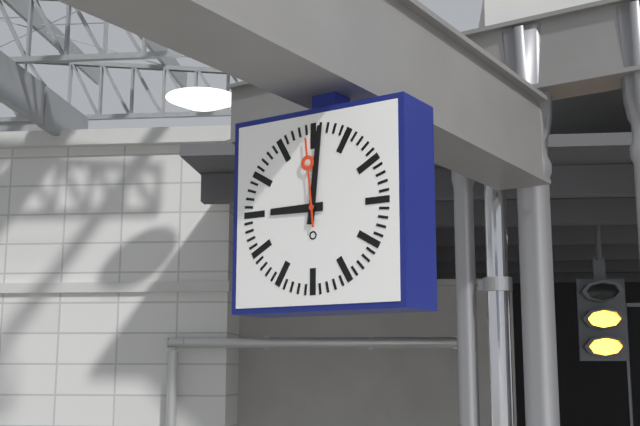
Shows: h=9 m=1 s=59
